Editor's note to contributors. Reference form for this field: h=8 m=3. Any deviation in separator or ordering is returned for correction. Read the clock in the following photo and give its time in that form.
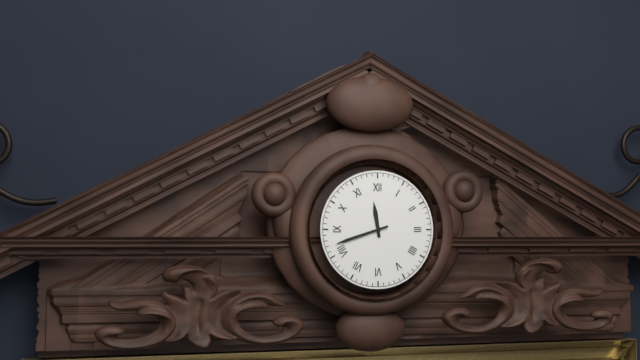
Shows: h=11 m=42
